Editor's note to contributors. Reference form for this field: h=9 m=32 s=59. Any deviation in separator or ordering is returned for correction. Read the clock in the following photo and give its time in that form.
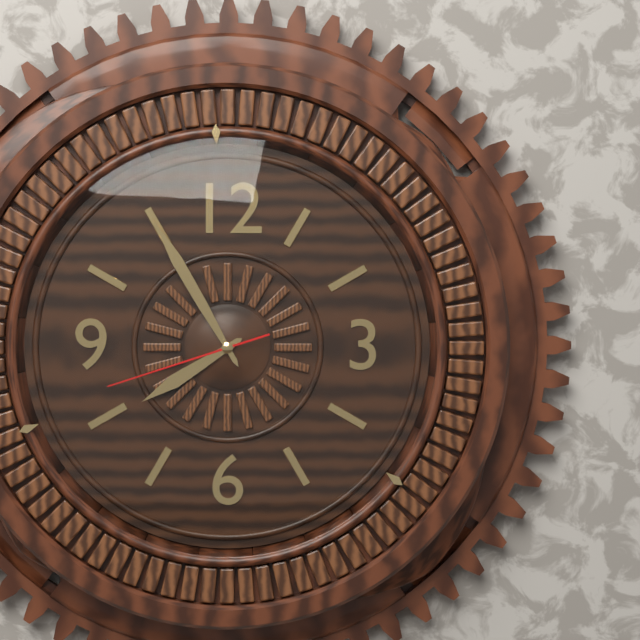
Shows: h=7 m=55 s=42
